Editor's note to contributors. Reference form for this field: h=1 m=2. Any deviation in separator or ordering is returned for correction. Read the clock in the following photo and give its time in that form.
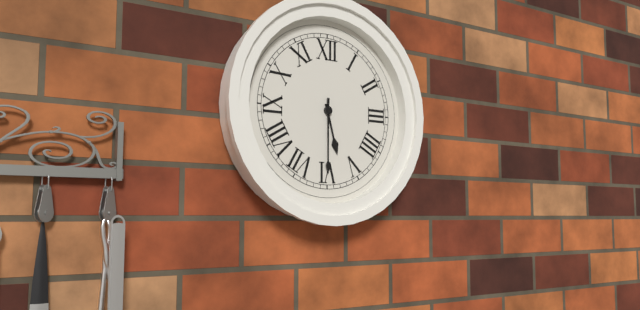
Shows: h=5 m=30
